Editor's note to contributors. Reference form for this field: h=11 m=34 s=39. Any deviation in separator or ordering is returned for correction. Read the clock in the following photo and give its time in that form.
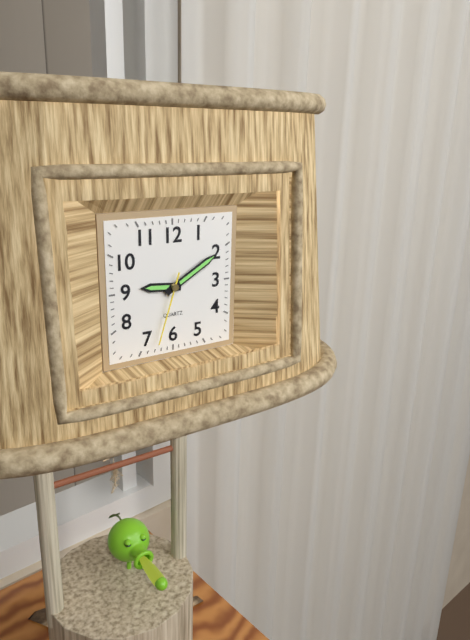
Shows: h=9 m=10 s=33
